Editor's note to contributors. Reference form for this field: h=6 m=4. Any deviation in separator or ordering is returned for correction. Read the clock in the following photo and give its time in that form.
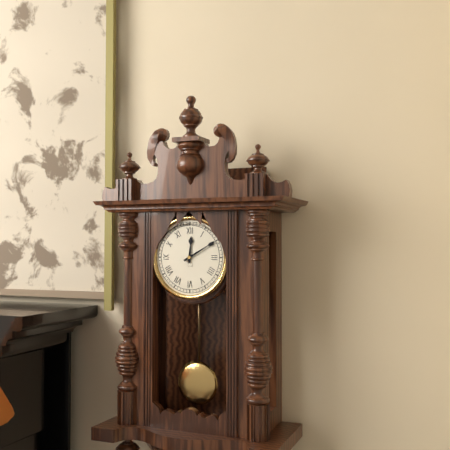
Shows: h=12 m=10
